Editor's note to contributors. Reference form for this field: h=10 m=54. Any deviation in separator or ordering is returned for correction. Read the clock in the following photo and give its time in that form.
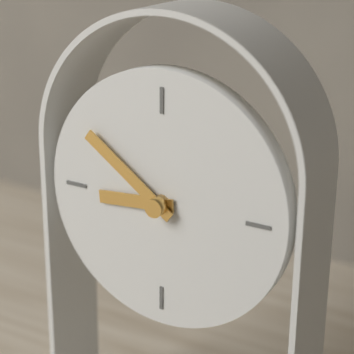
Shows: h=8 m=51
